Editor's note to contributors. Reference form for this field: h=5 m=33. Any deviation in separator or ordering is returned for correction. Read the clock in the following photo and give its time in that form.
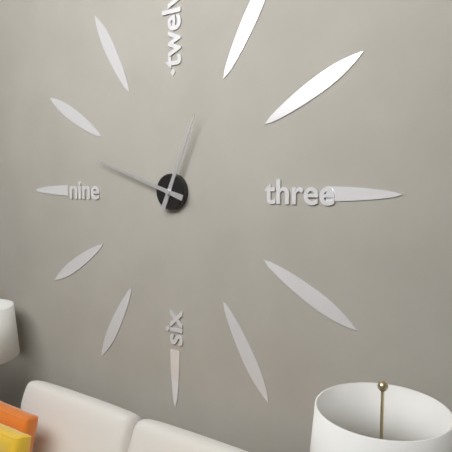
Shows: h=12 m=48
